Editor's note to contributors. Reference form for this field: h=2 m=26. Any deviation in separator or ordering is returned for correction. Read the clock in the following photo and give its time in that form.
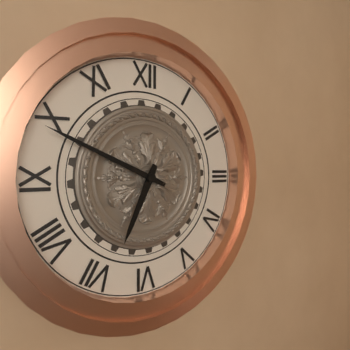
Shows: h=6 m=49
